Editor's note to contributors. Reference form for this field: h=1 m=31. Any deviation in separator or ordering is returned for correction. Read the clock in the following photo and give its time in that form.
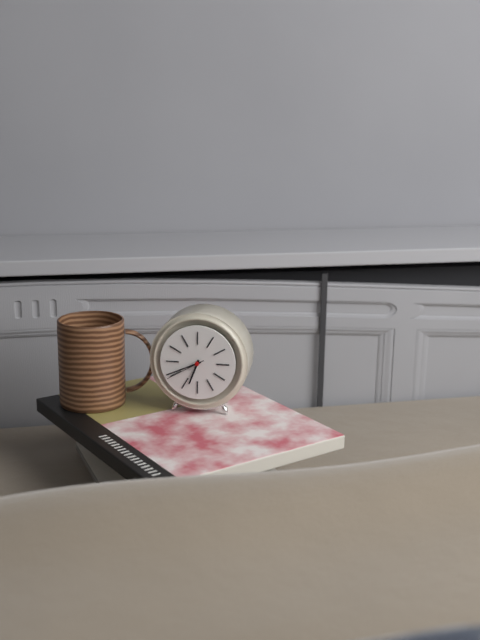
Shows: h=6 m=41
